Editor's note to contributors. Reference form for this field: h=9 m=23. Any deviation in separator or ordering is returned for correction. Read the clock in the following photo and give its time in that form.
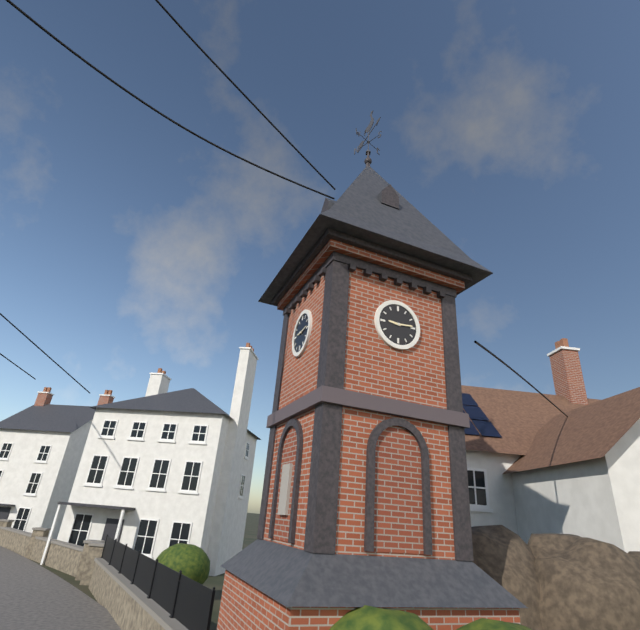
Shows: h=9 m=14
